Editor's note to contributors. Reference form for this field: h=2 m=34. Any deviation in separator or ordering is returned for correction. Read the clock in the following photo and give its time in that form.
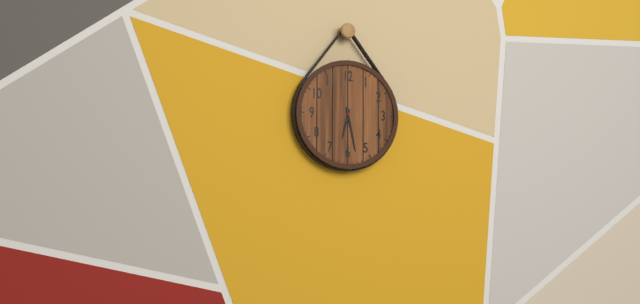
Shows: h=6 m=28
